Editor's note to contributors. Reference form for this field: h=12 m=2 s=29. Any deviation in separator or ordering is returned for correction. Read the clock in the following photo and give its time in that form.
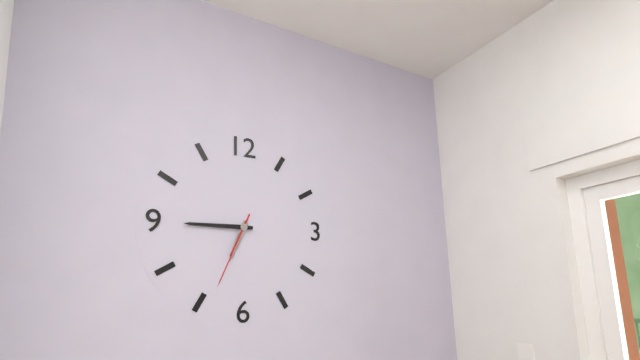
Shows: h=6 m=45 s=34
